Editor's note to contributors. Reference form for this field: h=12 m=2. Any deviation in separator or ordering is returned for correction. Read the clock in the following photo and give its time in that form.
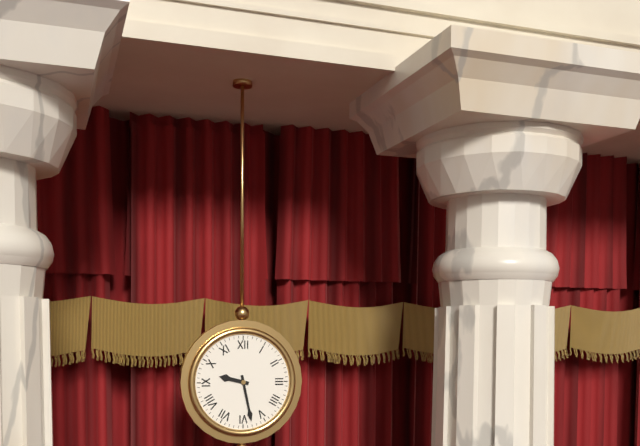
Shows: h=9 m=28
